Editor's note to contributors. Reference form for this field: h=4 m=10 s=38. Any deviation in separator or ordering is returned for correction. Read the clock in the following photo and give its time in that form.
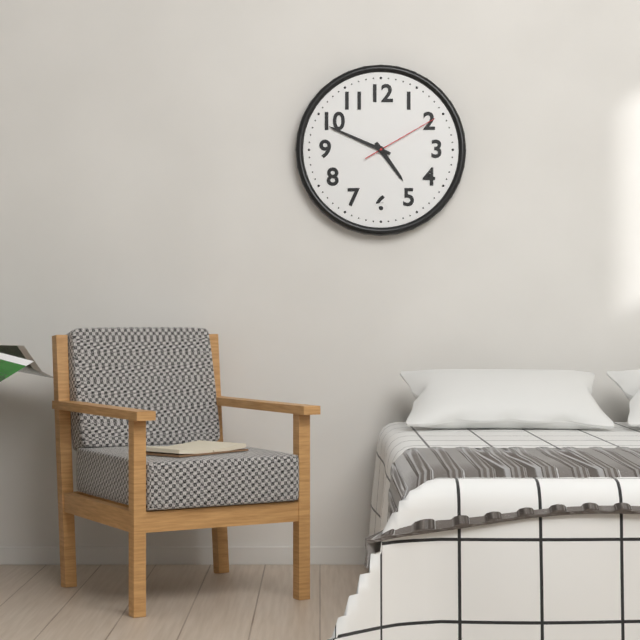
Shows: h=4 m=49 s=10
